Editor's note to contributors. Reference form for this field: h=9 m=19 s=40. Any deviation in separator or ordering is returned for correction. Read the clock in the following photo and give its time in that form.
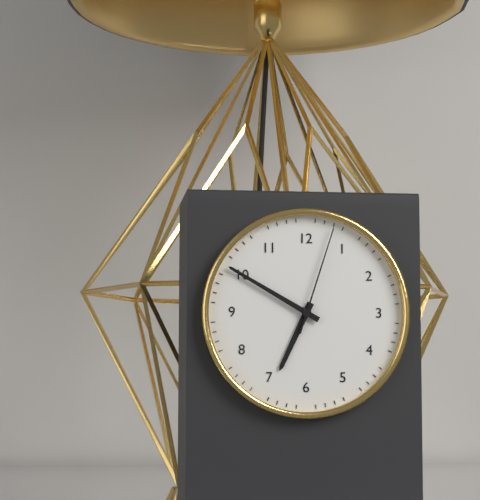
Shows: h=6 m=50 s=3
